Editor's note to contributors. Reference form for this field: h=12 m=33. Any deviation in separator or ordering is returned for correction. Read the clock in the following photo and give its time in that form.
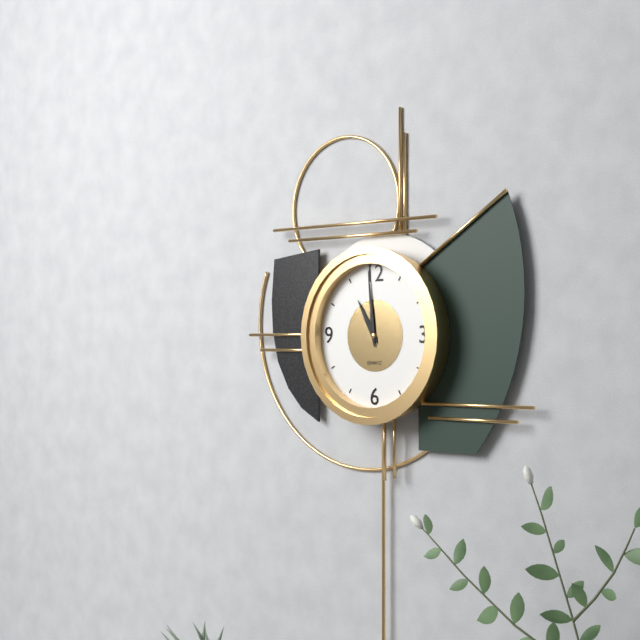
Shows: h=10 m=59
